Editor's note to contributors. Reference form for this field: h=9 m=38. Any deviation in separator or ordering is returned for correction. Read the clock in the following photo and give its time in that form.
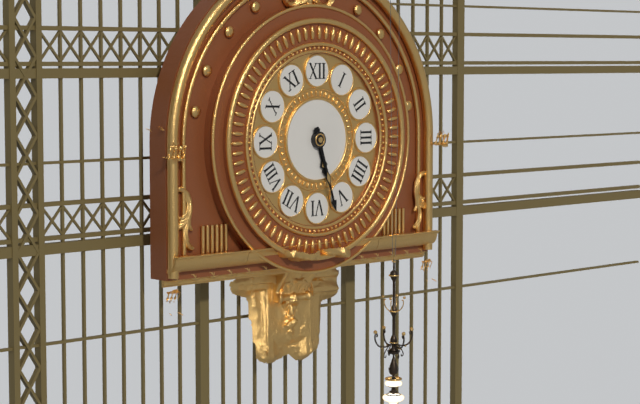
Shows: h=5 m=27
